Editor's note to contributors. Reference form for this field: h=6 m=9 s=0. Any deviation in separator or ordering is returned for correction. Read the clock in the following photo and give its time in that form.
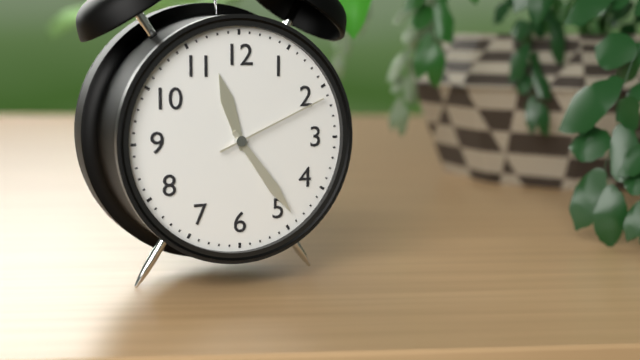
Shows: h=11 m=24 s=11
